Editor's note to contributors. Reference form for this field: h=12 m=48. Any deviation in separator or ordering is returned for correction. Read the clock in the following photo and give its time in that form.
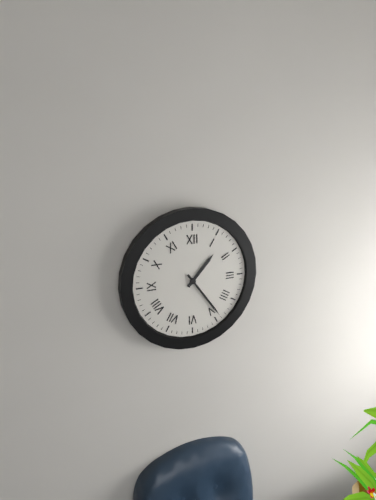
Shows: h=1 m=24
